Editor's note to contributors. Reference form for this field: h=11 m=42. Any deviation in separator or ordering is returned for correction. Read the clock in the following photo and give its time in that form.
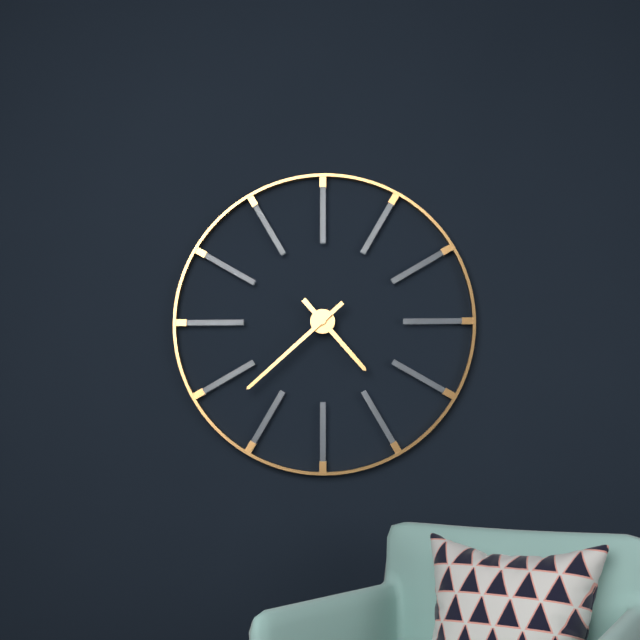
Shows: h=4 m=38
